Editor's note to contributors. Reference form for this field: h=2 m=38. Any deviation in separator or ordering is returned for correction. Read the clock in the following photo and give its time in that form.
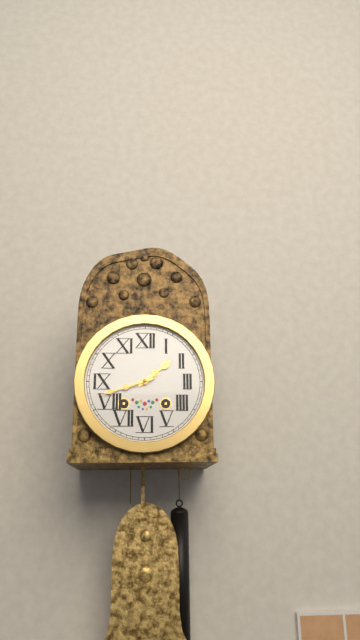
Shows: h=1 m=42
